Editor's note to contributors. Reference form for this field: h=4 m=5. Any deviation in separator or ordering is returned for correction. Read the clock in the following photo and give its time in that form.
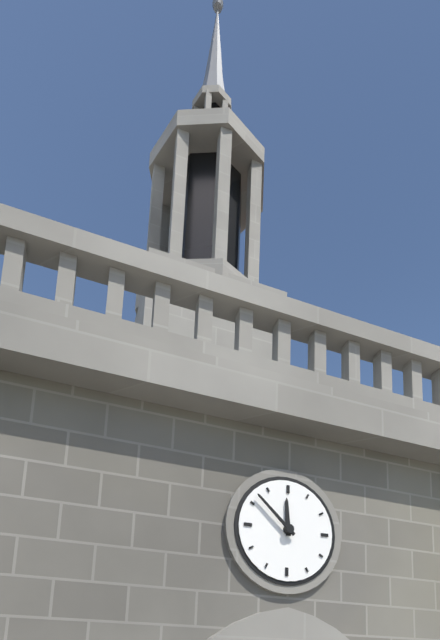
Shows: h=11 m=52
